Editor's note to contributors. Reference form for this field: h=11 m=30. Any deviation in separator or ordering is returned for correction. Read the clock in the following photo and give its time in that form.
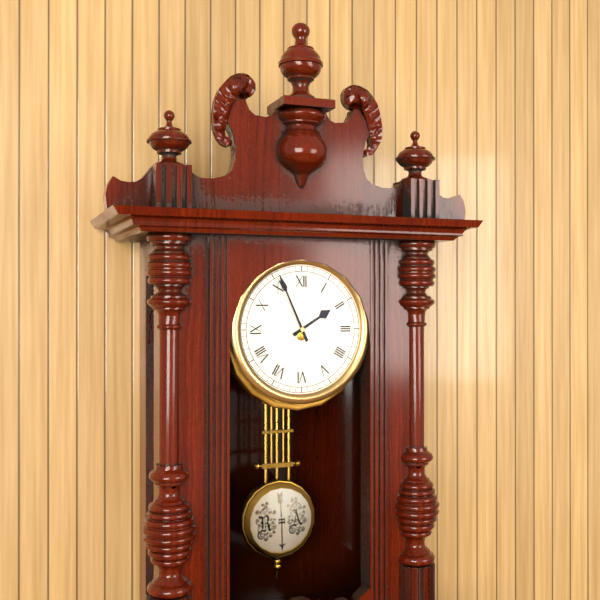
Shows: h=1 m=56
